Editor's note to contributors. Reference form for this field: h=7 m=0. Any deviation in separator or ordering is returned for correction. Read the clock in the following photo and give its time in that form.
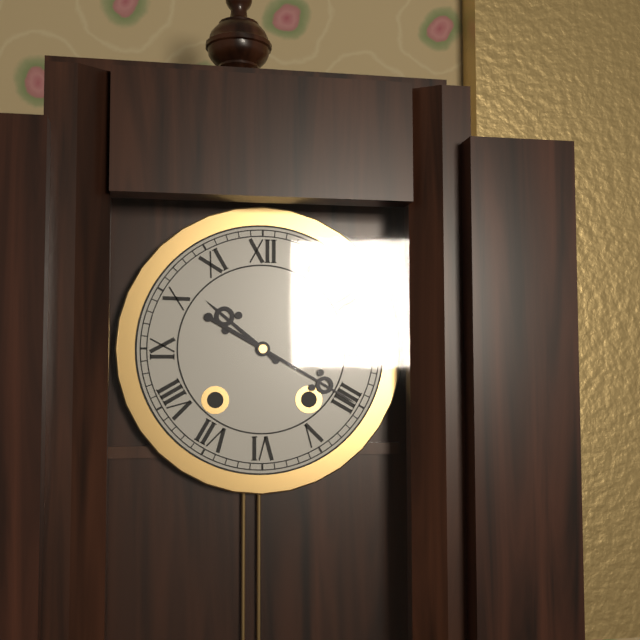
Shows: h=10 m=20
